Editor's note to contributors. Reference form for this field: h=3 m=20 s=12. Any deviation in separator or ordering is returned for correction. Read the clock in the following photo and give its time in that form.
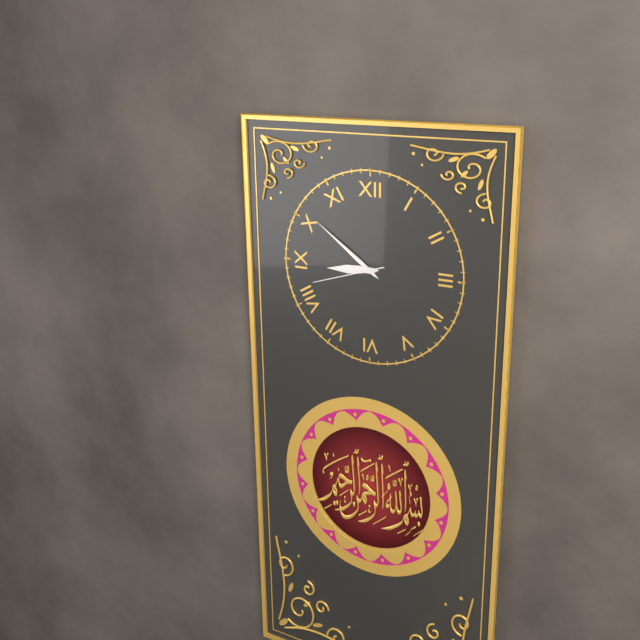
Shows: h=8 m=51 s=42
